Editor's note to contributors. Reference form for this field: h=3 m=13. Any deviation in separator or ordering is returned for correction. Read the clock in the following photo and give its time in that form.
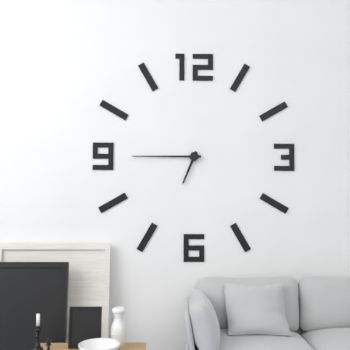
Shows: h=6 m=45
